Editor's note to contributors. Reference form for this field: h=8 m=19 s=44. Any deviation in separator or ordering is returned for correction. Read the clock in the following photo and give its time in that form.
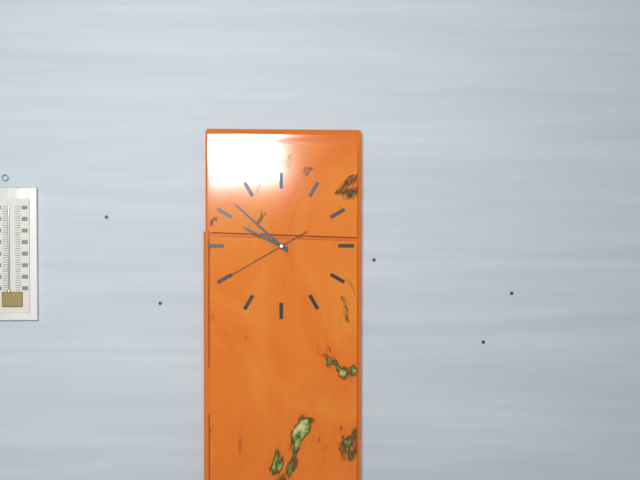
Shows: h=9 m=52 s=40
